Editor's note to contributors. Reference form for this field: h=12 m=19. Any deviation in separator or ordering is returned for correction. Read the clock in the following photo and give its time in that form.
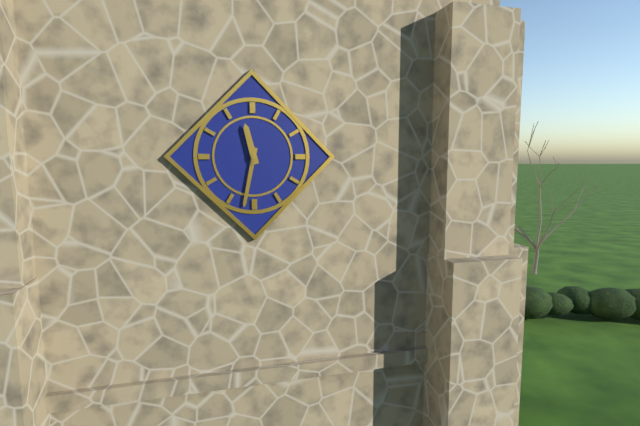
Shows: h=11 m=32
